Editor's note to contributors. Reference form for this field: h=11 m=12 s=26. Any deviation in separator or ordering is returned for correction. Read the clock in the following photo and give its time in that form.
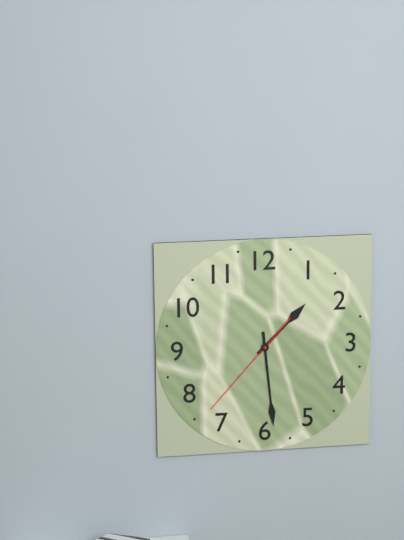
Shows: h=1 m=29 s=37
